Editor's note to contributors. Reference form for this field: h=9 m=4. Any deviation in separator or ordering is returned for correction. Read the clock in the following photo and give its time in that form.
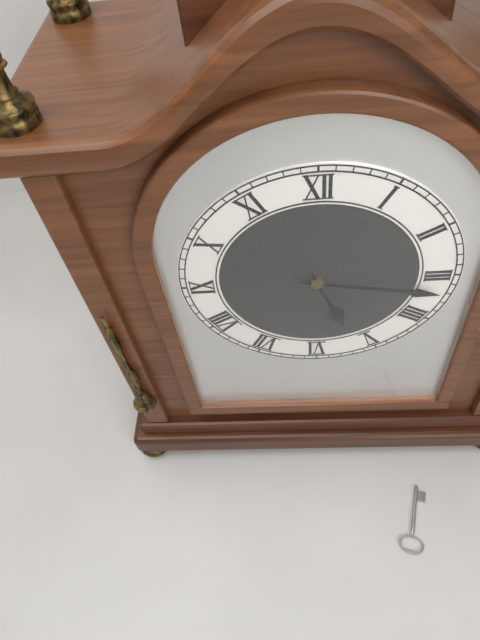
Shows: h=5 m=17
